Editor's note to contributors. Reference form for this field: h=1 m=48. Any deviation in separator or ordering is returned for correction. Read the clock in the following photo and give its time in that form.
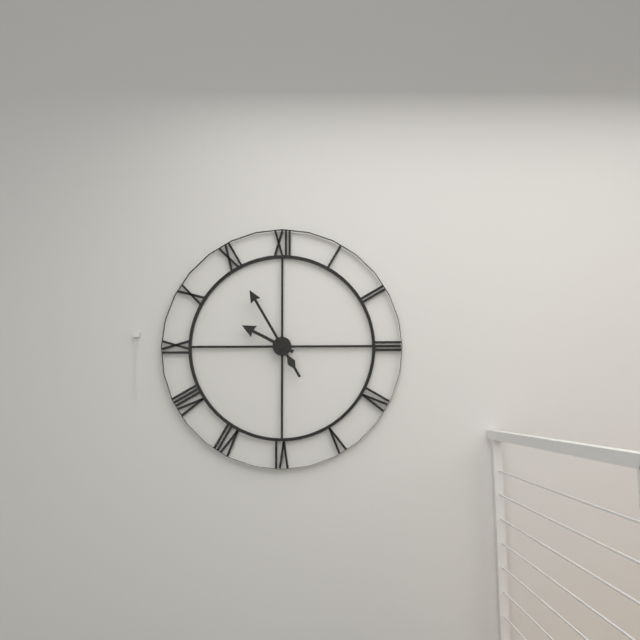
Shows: h=9 m=55
